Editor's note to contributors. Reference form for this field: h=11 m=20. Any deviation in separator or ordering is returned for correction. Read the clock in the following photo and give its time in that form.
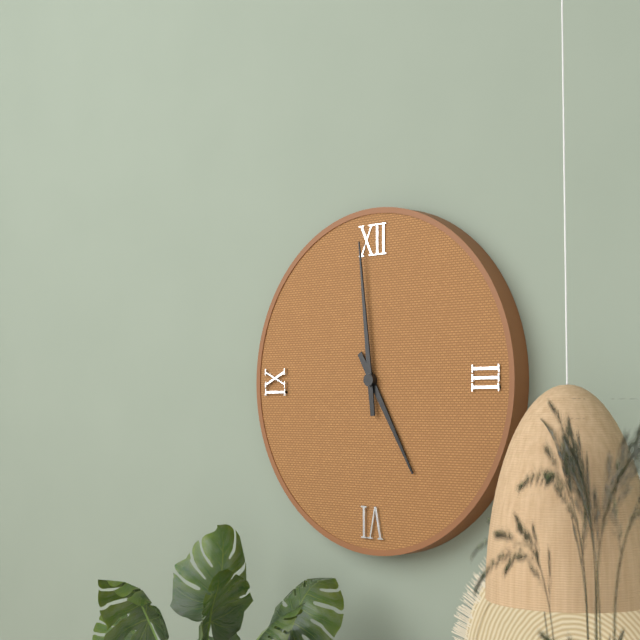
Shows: h=4 m=59
